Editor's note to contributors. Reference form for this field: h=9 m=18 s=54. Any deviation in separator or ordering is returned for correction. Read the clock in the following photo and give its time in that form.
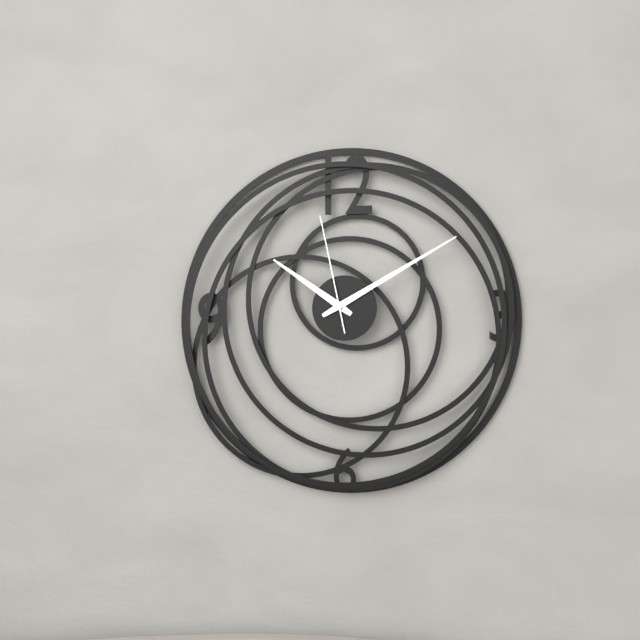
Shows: h=10 m=10 s=58
